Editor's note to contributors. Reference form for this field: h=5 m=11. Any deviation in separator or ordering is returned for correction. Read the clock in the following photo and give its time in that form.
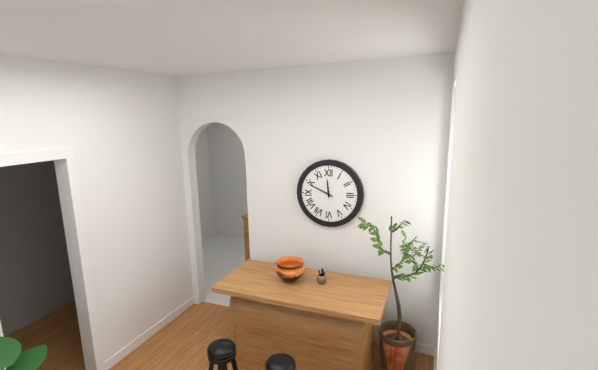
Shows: h=11 m=49
